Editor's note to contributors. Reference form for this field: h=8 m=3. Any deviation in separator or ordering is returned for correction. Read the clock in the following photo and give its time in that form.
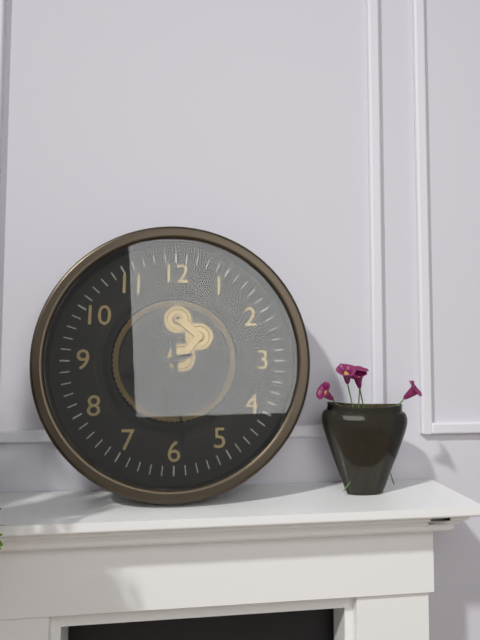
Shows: h=8 m=29
